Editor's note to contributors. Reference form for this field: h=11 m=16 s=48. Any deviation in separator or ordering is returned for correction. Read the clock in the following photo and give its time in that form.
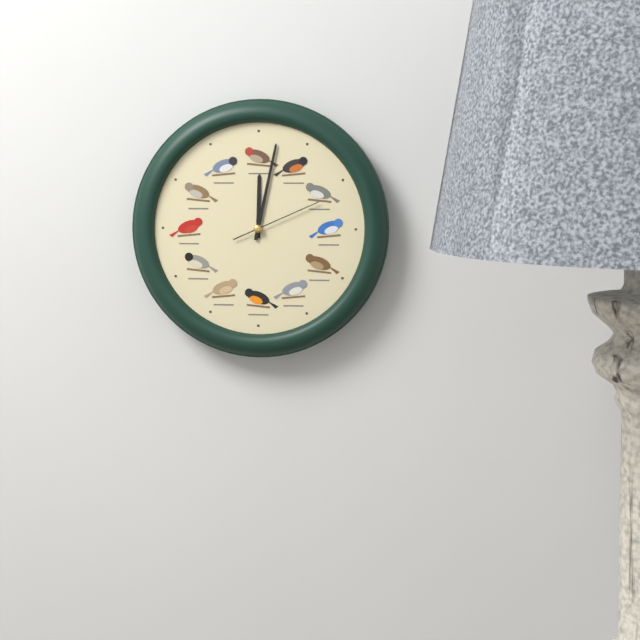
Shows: h=12 m=2 s=11
